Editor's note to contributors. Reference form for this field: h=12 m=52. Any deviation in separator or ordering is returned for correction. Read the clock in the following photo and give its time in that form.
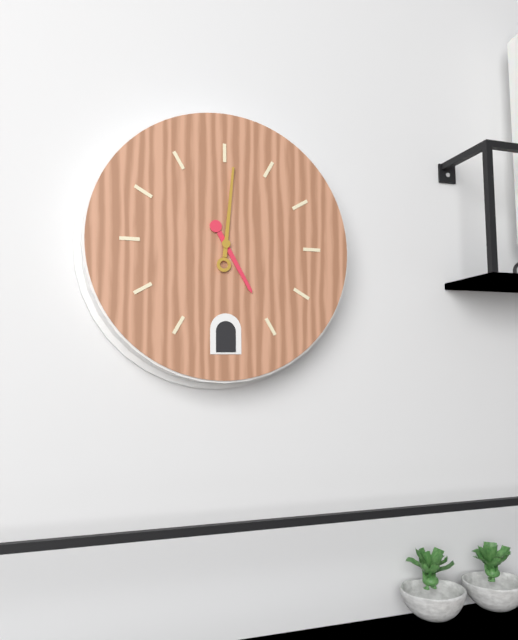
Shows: h=5 m=1
